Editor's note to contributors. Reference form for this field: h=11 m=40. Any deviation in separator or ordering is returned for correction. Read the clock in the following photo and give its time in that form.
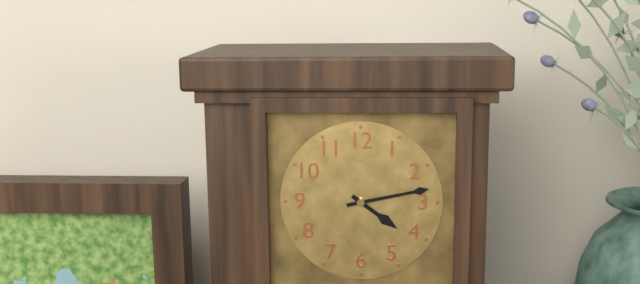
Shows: h=4 m=13
